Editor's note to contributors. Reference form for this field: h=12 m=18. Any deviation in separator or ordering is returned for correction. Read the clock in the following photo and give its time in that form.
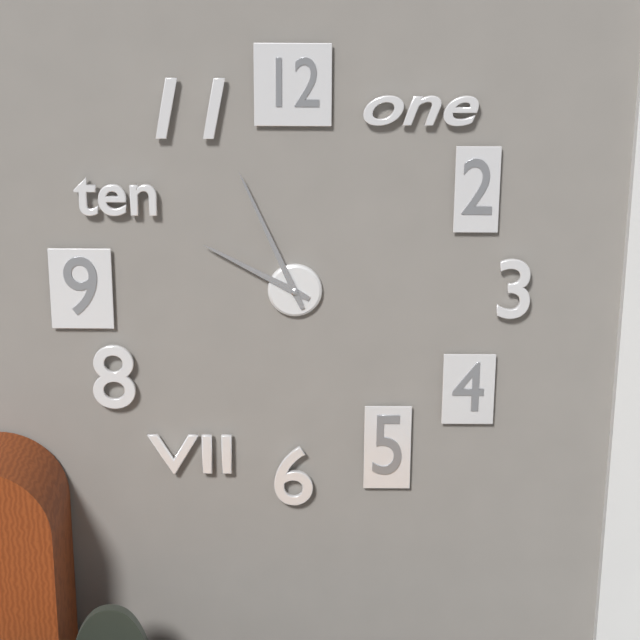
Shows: h=9 m=56
